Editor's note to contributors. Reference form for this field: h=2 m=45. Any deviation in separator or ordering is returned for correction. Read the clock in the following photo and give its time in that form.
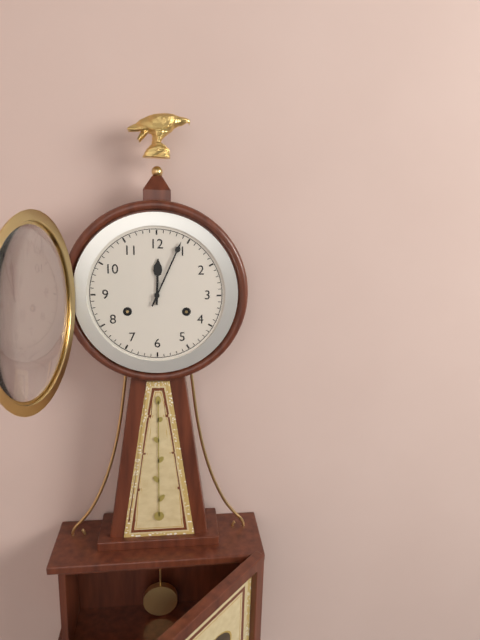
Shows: h=12 m=4
